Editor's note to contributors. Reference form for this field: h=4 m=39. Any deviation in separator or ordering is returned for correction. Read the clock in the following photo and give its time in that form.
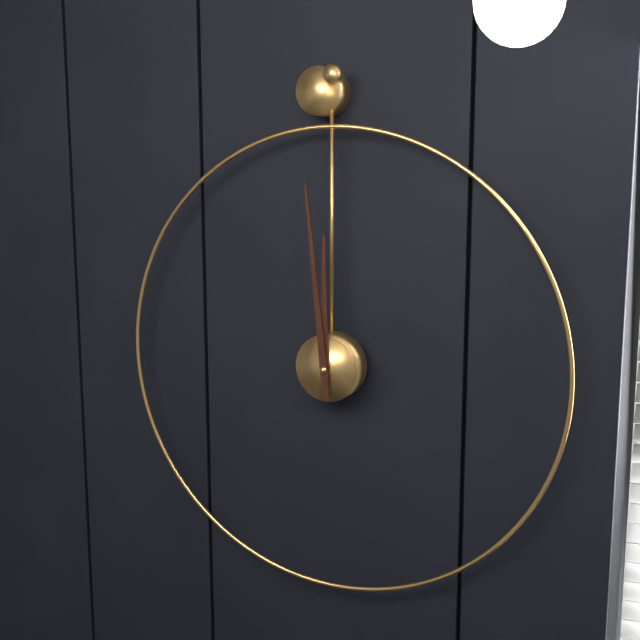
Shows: h=11 m=59
